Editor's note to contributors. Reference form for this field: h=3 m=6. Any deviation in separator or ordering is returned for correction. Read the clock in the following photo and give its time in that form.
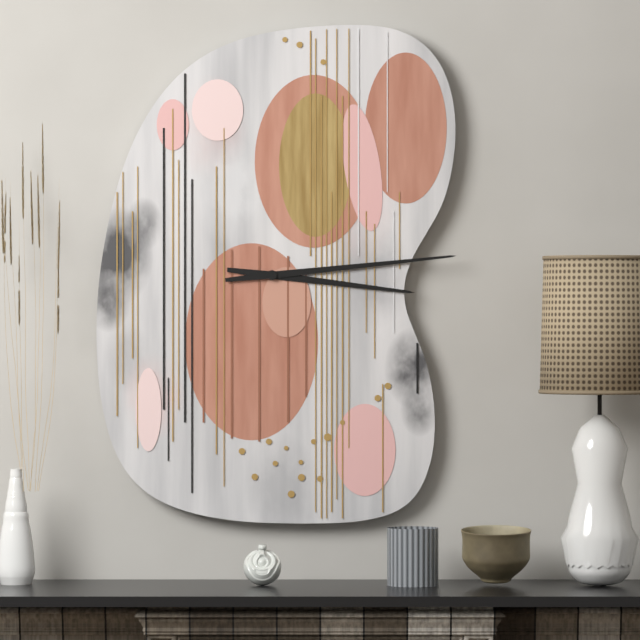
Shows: h=3 m=14
